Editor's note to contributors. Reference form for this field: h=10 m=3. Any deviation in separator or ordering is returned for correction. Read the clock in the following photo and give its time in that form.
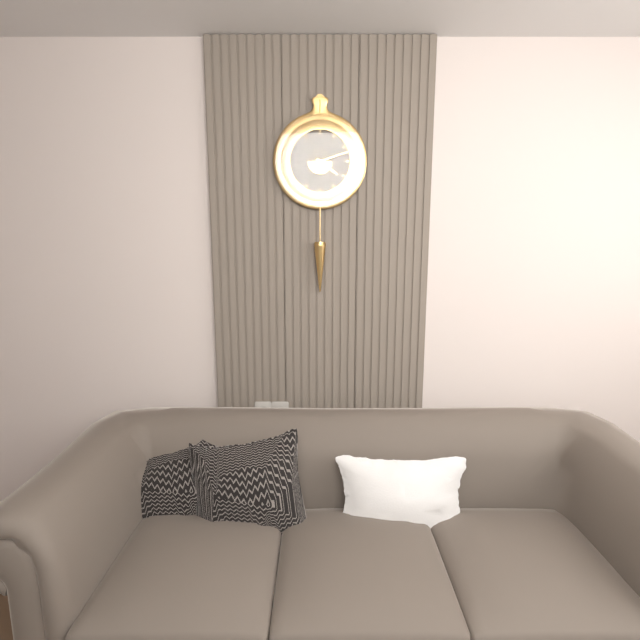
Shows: h=4 m=12
